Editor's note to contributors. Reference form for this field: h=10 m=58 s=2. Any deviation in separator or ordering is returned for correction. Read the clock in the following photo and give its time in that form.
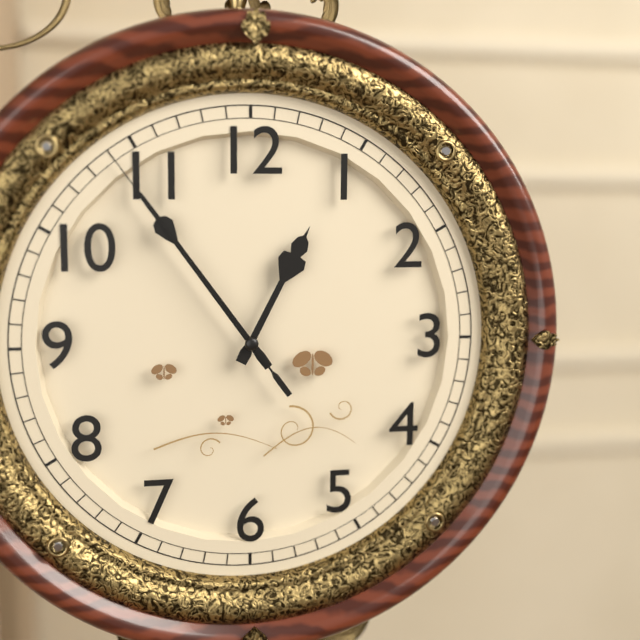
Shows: h=12 m=54 s=54
